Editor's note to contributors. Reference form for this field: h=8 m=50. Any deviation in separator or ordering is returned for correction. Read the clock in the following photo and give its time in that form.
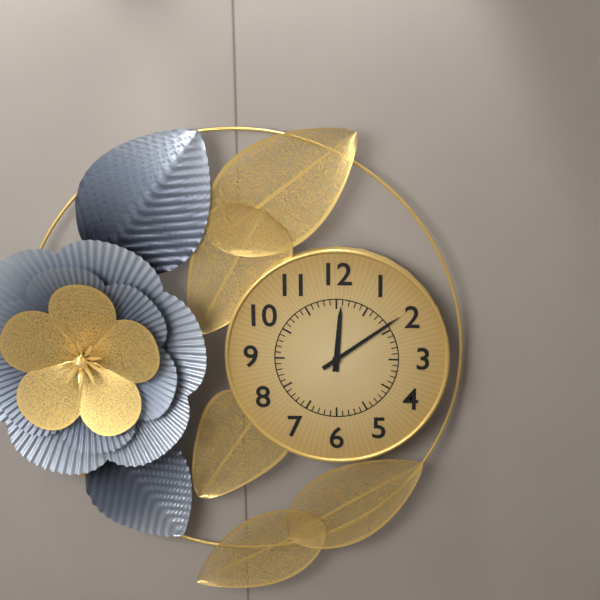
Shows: h=12 m=9
